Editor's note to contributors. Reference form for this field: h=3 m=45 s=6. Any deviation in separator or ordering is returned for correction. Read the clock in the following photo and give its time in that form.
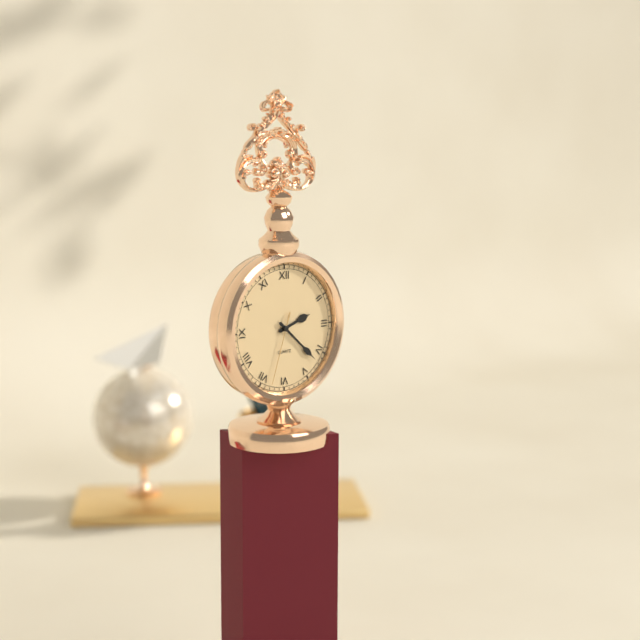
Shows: h=2 m=22 s=33
